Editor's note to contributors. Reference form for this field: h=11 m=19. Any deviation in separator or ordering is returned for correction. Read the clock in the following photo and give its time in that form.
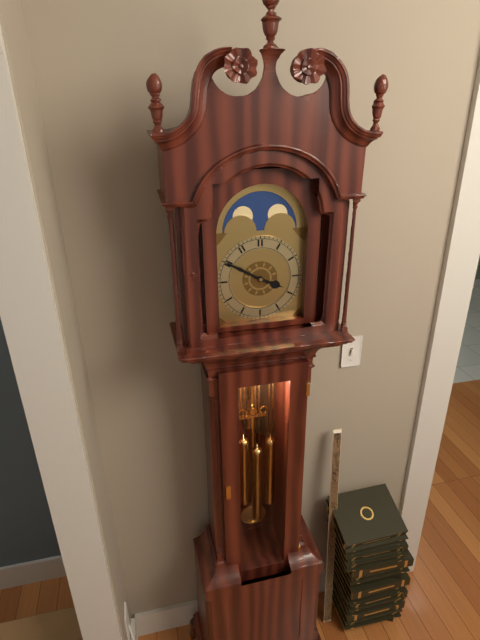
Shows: h=3 m=50
